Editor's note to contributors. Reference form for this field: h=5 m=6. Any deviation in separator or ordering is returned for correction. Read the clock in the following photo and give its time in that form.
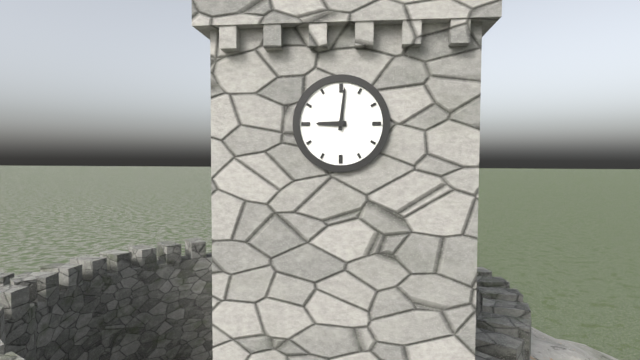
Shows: h=9 m=1
